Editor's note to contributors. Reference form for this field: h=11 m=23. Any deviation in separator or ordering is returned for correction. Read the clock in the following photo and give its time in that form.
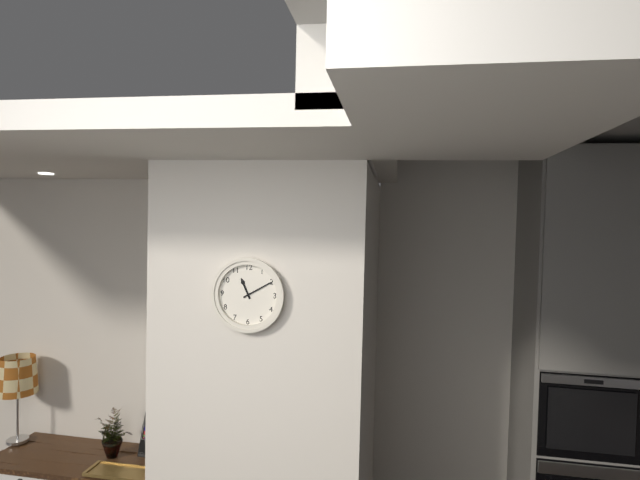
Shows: h=11 m=10
